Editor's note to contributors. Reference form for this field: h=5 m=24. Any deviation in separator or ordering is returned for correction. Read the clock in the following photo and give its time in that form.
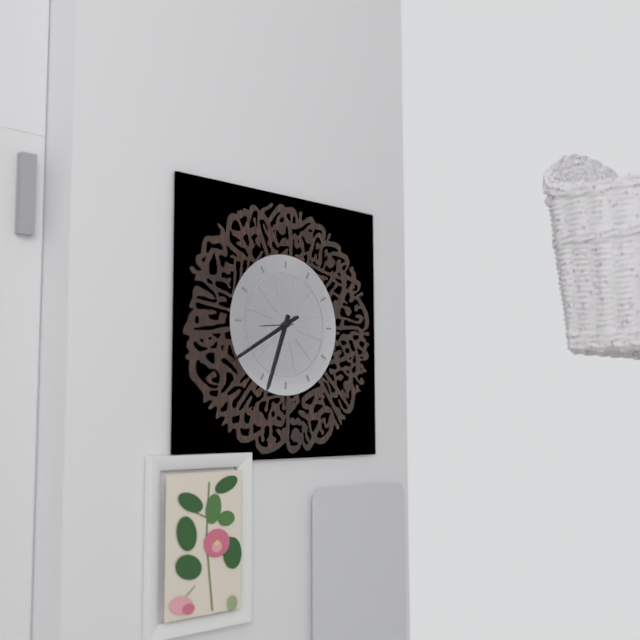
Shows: h=6 m=40
